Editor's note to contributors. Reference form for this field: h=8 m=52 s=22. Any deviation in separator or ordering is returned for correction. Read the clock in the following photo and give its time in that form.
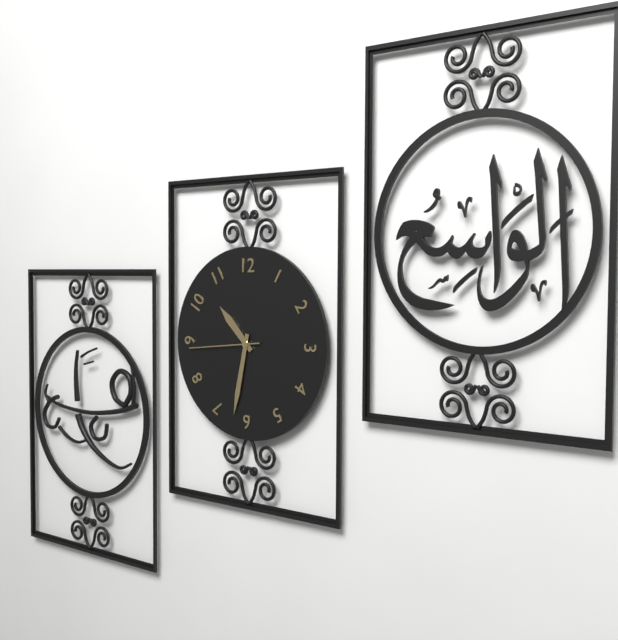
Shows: h=10 m=32 s=44
